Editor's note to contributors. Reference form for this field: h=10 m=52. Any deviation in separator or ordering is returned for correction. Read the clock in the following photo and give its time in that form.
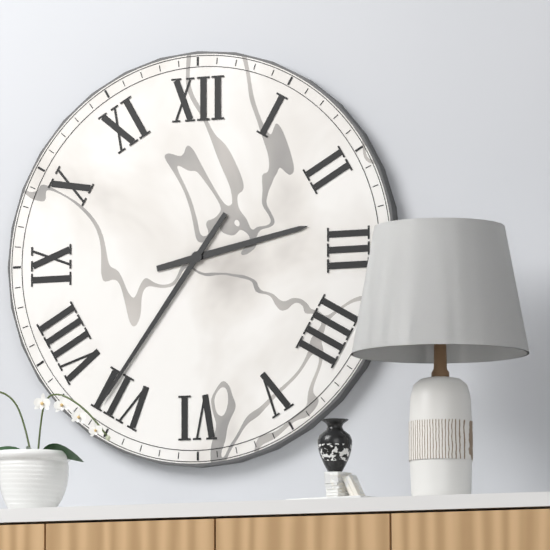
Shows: h=2 m=36
